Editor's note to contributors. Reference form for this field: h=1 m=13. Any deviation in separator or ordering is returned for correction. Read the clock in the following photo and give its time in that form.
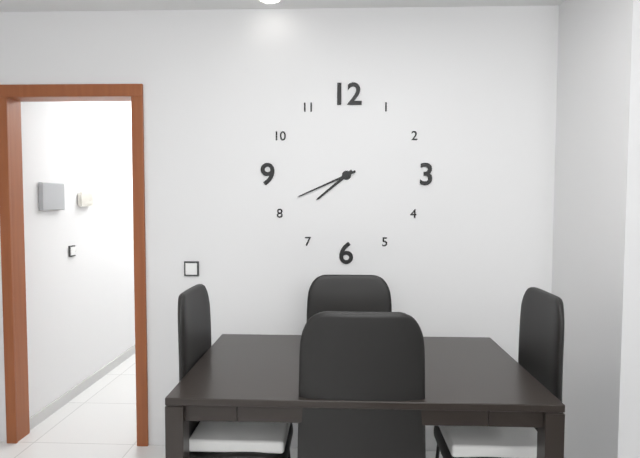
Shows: h=7 m=41
